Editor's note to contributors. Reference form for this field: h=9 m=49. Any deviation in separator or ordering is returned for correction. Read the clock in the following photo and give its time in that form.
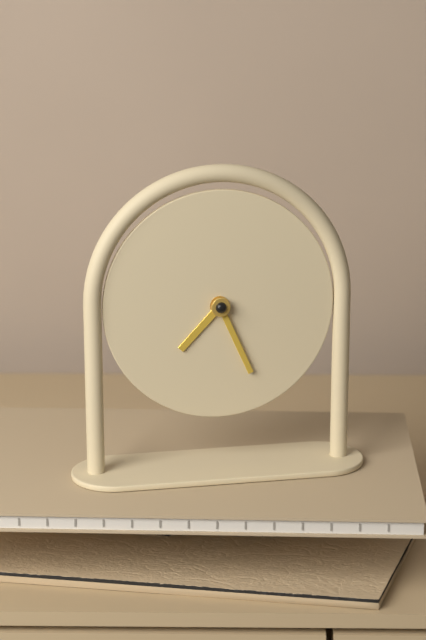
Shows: h=7 m=26
